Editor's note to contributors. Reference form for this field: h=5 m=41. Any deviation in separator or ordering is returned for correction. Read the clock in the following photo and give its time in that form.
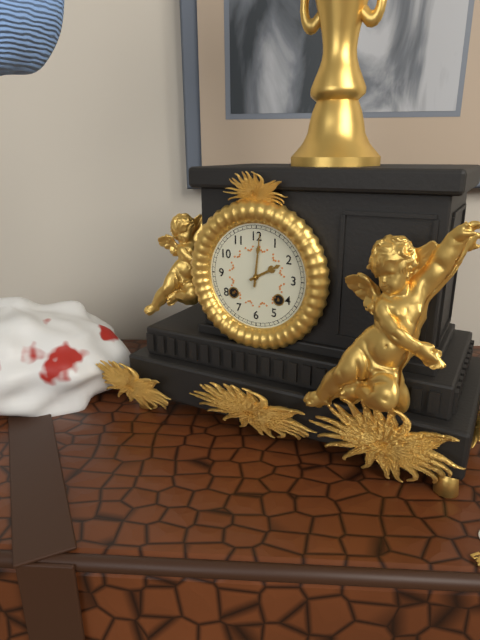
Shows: h=2 m=1
